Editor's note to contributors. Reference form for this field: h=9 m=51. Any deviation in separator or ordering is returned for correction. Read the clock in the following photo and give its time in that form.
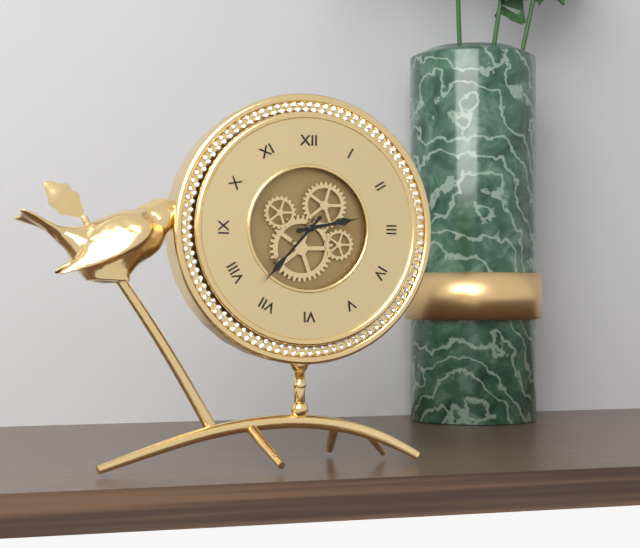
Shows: h=2 m=37
